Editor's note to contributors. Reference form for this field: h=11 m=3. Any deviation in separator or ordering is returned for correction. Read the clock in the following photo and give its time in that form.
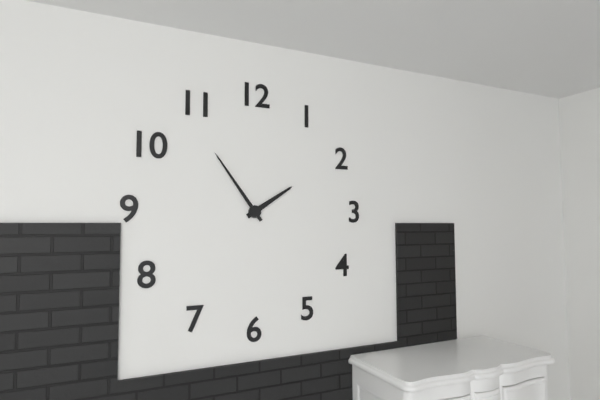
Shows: h=1 m=54
